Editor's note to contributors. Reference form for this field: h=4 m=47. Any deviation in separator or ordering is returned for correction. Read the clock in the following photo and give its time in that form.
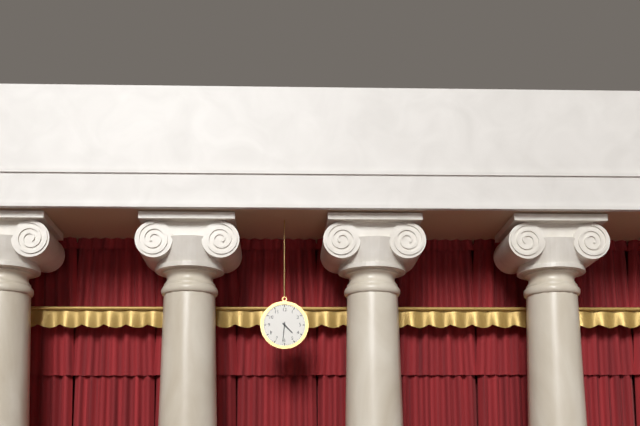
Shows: h=4 m=31
